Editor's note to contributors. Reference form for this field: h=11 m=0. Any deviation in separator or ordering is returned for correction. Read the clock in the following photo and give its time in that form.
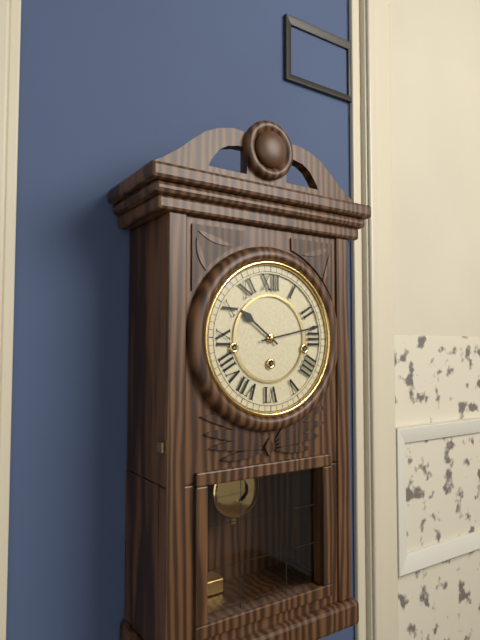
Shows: h=10 m=13
